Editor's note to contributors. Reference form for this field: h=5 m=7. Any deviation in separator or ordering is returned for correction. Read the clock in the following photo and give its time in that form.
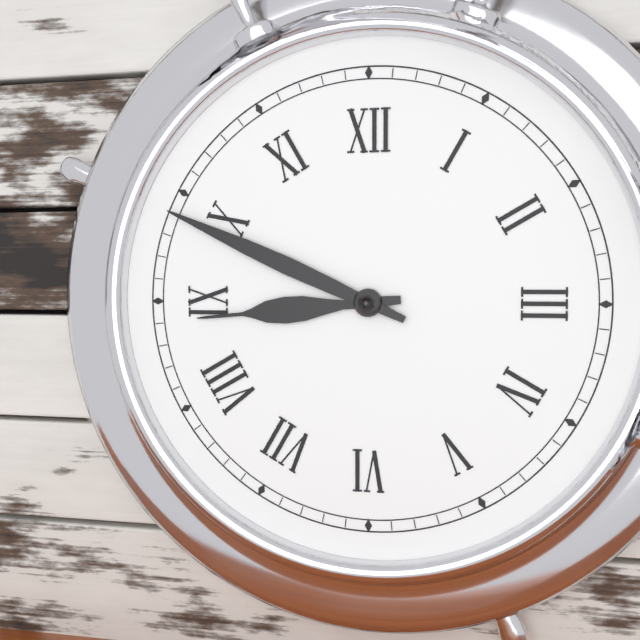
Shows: h=8 m=49
